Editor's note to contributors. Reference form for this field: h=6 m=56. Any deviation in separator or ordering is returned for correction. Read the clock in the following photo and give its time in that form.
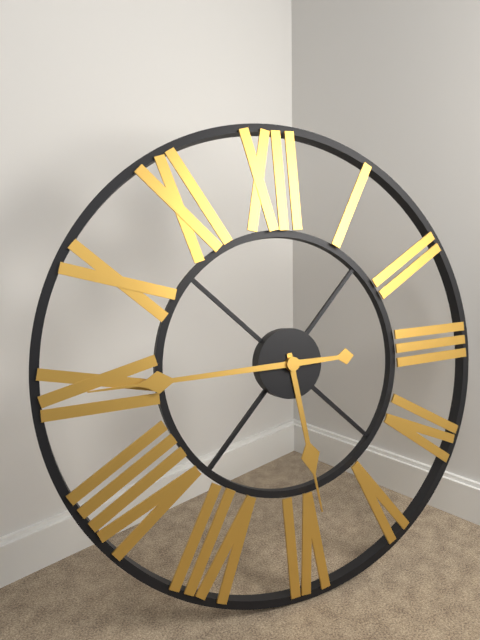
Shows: h=5 m=45
